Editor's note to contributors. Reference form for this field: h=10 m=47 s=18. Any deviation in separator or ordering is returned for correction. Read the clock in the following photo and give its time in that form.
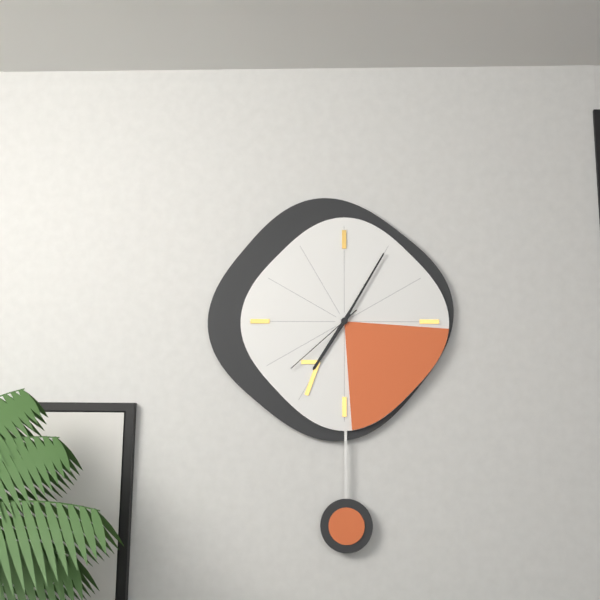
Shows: h=7 m=5 s=38
